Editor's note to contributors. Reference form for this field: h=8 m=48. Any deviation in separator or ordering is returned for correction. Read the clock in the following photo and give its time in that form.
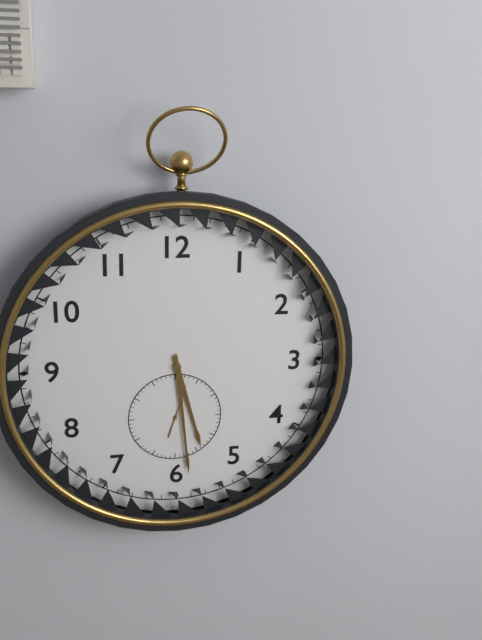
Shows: h=5 m=29
